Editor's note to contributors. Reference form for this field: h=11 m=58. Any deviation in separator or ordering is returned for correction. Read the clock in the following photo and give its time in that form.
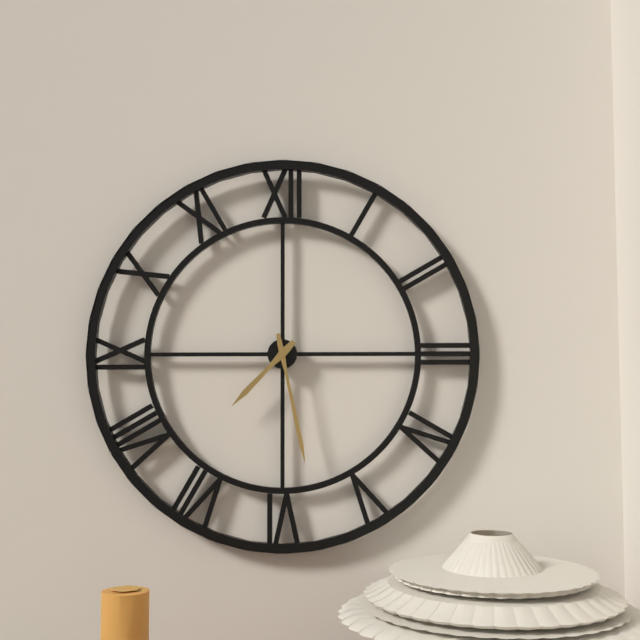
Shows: h=7 m=28
